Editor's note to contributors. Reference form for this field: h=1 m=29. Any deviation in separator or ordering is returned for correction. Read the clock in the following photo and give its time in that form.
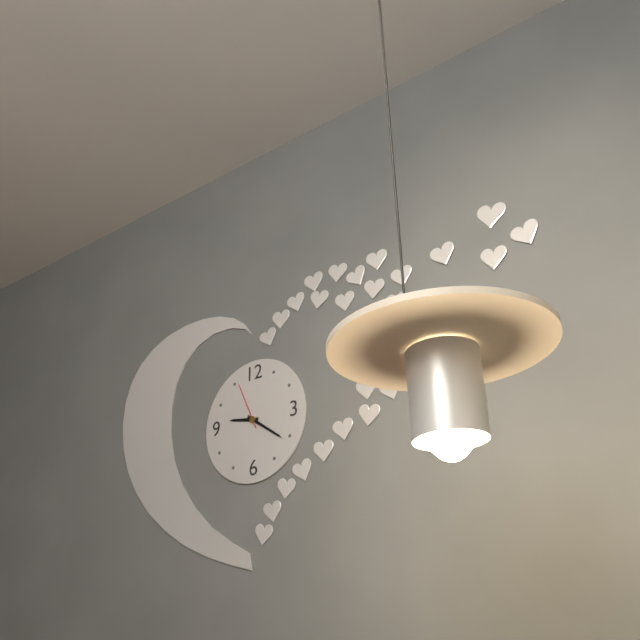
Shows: h=9 m=21
